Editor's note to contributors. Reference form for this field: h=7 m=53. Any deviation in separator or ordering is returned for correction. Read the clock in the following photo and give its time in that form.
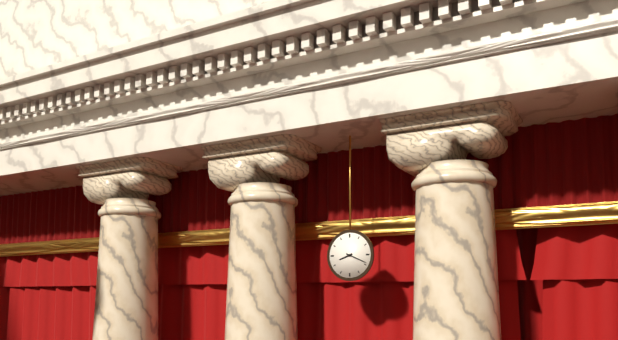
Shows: h=8 m=19
